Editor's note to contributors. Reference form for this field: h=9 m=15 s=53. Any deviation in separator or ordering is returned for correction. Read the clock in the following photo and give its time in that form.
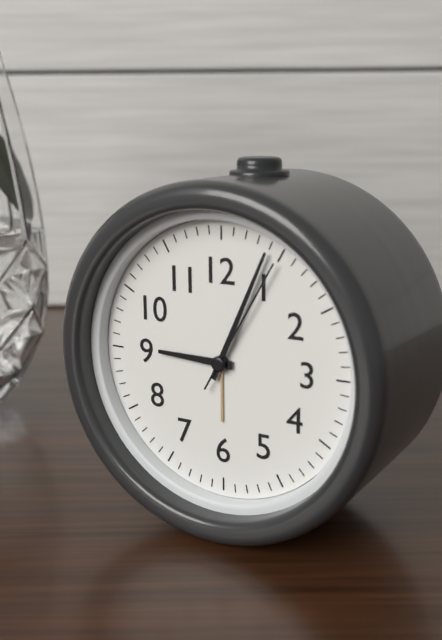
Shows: h=9 m=4 s=5
